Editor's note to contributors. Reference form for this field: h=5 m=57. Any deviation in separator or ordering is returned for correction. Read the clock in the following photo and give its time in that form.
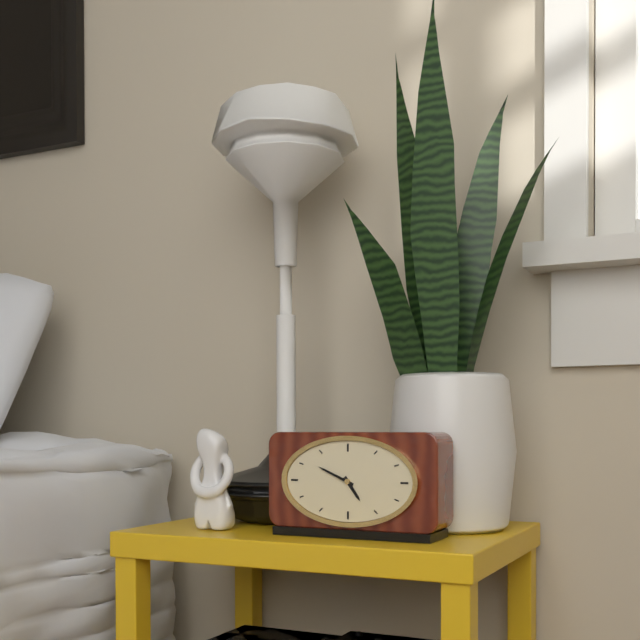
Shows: h=4 m=49
